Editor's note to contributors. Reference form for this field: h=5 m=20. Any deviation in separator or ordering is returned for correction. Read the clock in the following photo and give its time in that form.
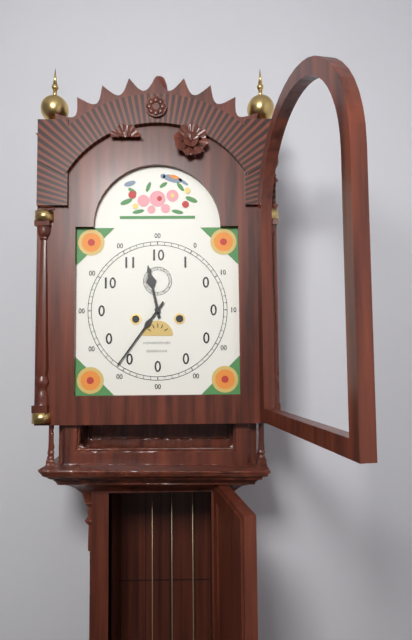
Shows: h=11 m=36
